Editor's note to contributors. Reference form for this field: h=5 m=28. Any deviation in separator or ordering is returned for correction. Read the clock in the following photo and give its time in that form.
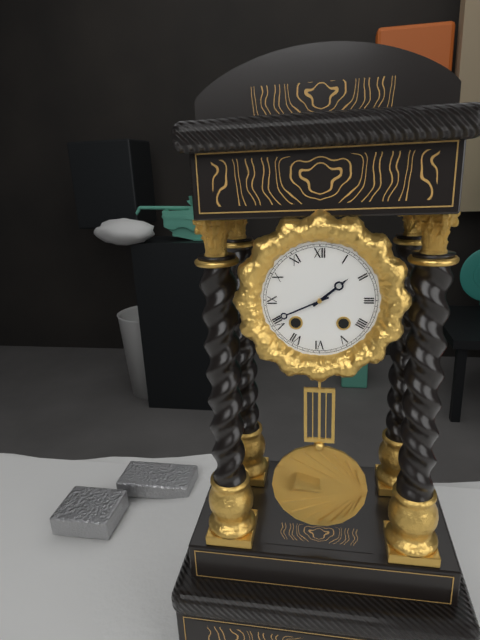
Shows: h=1 m=41
